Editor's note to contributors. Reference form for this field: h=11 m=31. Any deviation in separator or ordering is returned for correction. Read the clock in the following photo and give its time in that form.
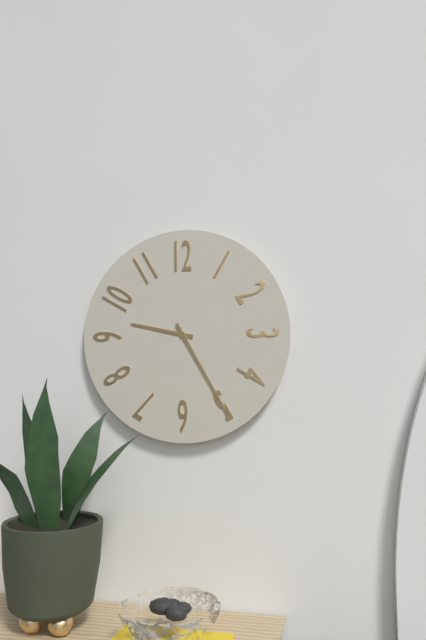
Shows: h=9 m=25
